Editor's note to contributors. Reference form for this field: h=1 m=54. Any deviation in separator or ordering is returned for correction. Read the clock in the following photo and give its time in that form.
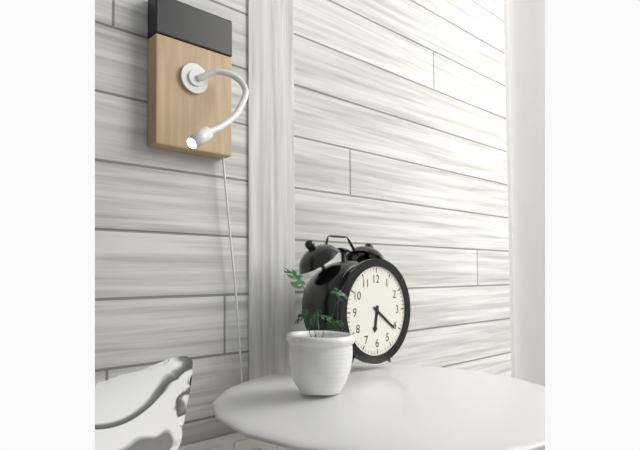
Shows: h=6 m=21
